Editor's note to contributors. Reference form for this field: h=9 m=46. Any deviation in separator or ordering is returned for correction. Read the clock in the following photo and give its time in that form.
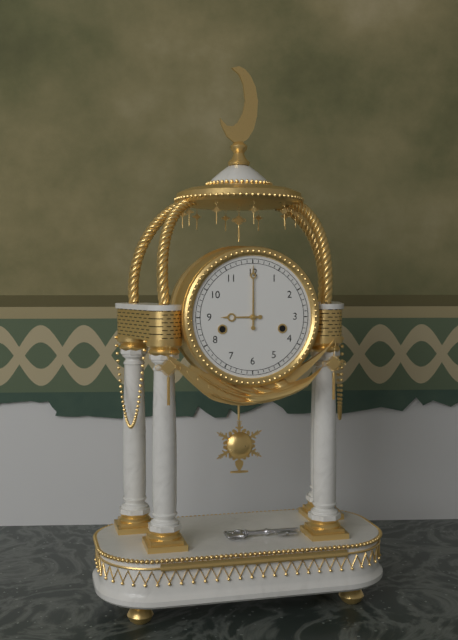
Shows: h=9 m=0
